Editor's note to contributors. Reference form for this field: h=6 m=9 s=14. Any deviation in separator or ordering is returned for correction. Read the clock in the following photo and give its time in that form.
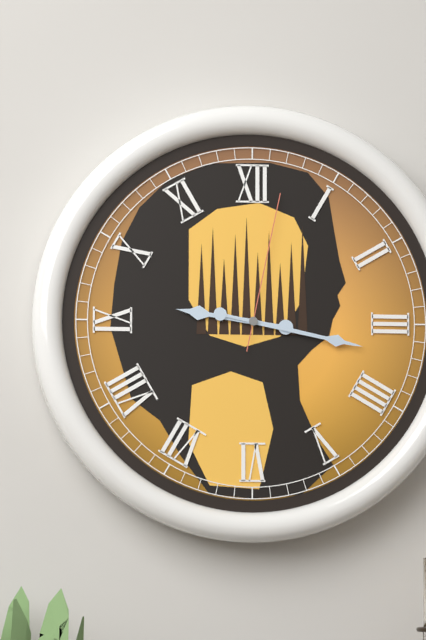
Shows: h=9 m=17 s=2
